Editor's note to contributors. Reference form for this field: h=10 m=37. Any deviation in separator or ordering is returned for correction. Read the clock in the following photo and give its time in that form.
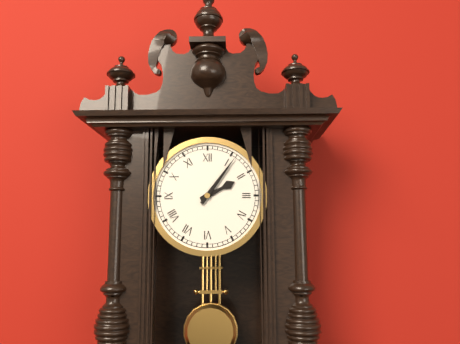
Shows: h=2 m=6
